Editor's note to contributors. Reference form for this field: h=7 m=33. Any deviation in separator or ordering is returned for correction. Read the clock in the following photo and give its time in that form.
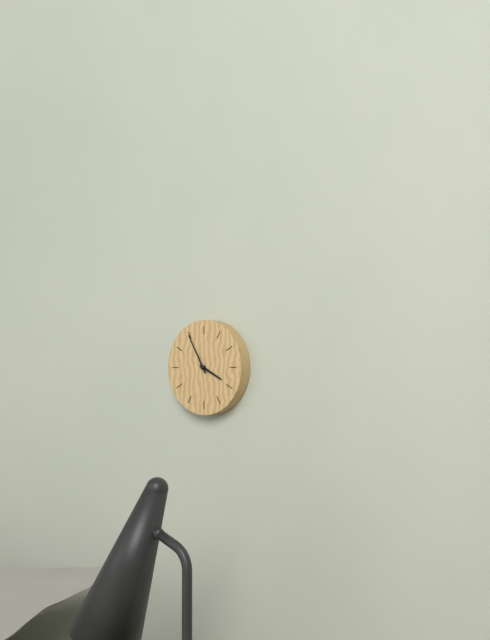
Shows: h=3 m=55
